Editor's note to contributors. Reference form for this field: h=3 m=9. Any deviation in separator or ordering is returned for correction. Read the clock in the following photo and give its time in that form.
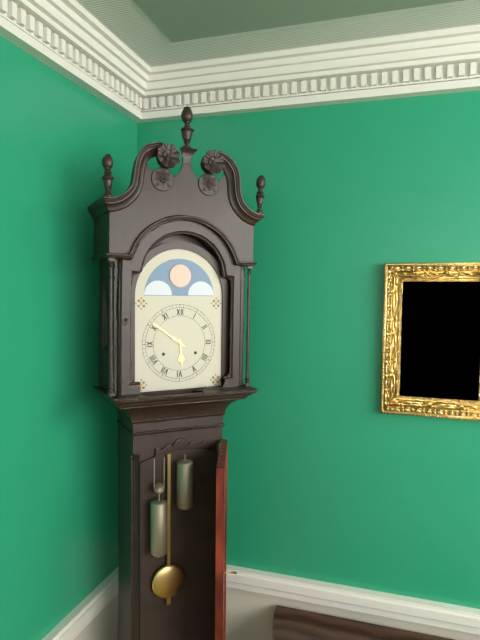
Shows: h=5 m=51
